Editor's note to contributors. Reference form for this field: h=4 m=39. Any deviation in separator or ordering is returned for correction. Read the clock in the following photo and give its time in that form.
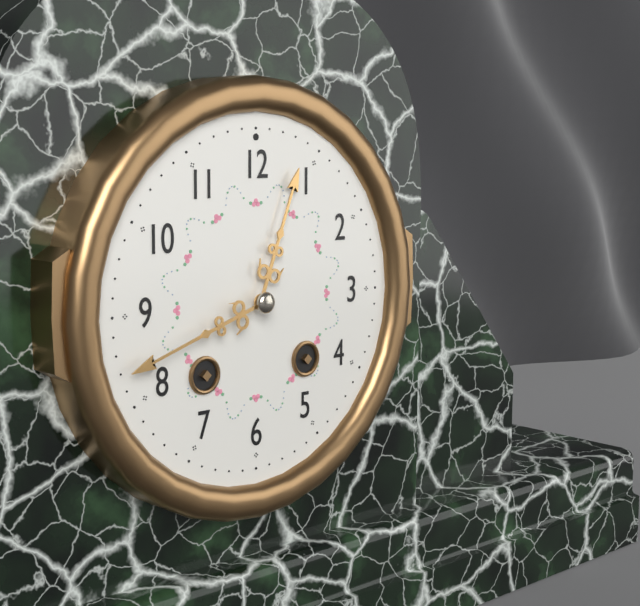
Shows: h=12 m=42
